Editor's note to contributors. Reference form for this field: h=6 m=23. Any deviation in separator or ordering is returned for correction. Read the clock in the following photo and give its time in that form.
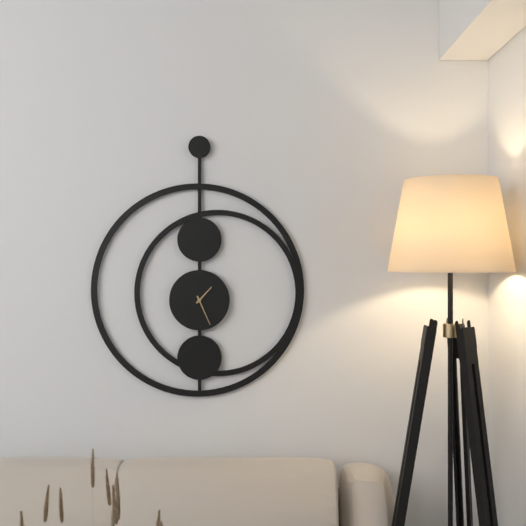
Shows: h=1 m=26
